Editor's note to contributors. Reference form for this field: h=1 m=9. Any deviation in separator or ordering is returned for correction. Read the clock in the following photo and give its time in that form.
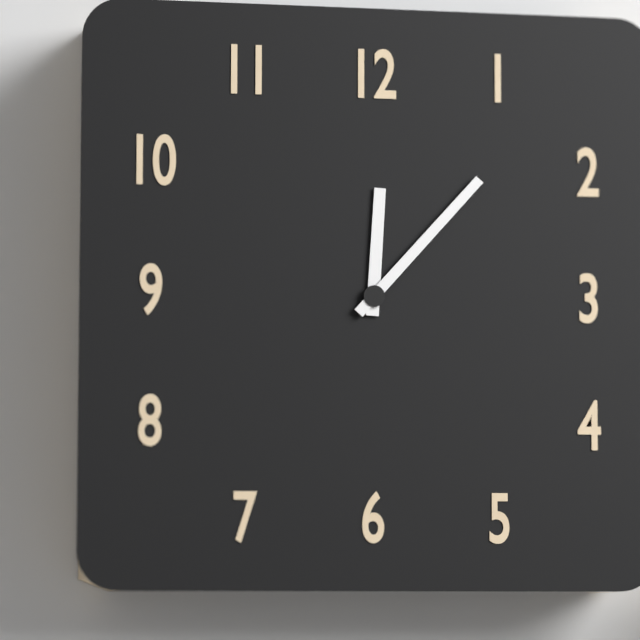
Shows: h=12 m=7
